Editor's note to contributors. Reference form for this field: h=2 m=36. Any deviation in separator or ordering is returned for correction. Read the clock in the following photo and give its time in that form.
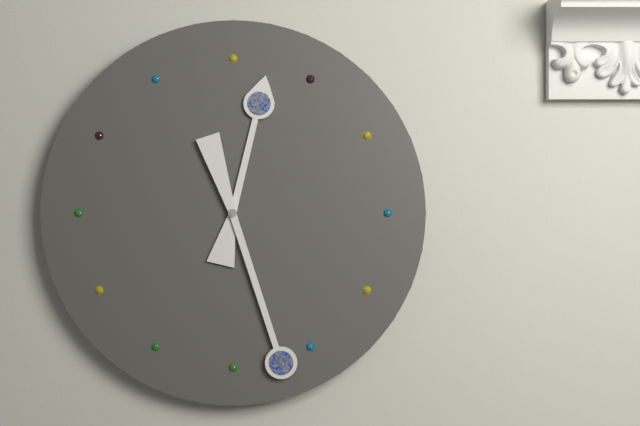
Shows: h=12 m=27
